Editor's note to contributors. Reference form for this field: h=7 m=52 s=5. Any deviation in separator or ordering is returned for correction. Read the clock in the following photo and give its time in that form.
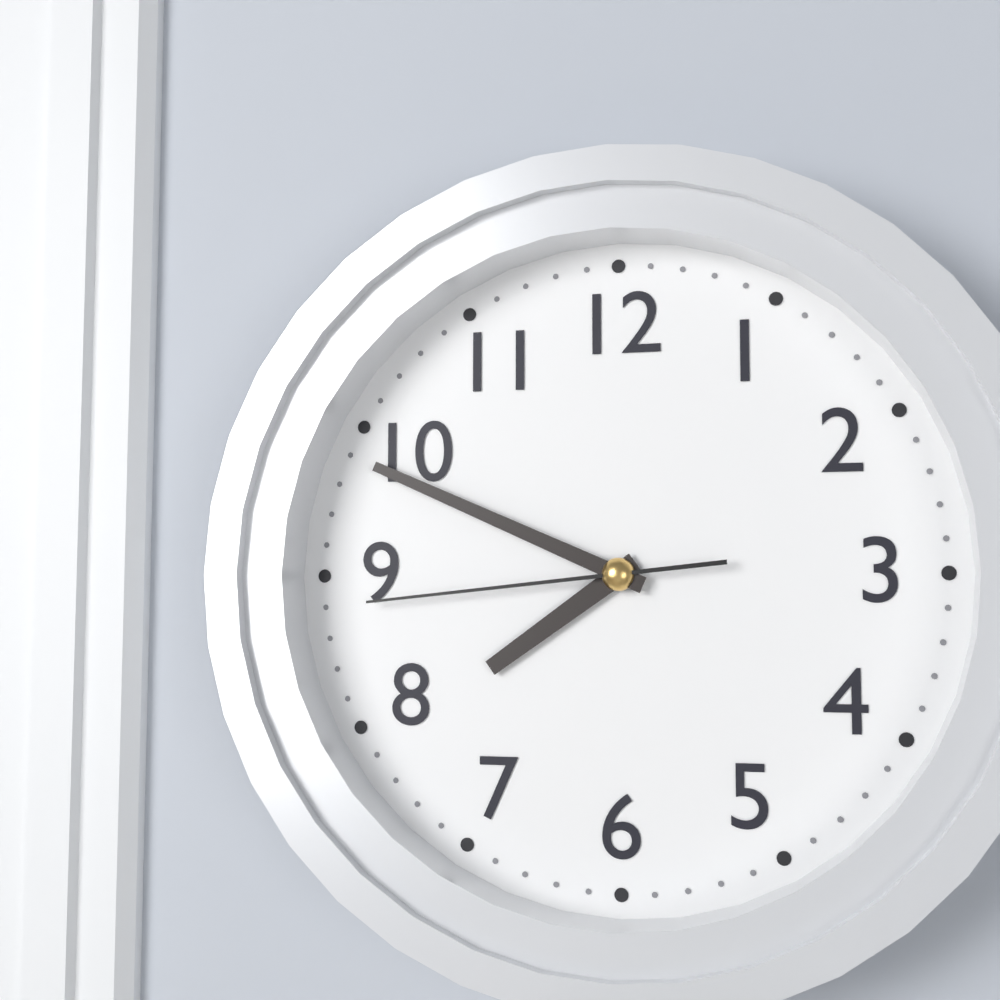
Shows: h=7 m=49 s=44
